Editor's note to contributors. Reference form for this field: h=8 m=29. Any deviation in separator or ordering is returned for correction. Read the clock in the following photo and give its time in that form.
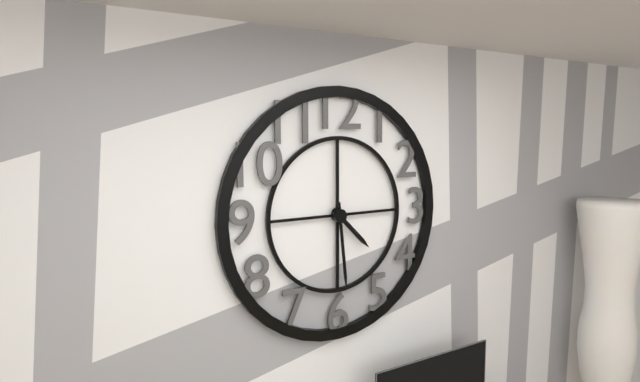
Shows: h=4 m=29
